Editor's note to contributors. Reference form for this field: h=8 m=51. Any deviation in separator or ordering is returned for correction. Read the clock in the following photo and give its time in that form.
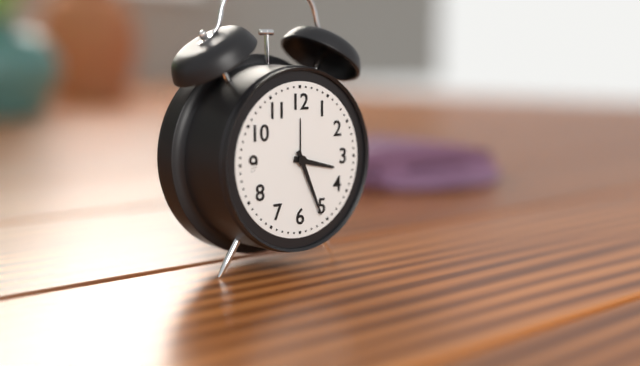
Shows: h=3 m=26
